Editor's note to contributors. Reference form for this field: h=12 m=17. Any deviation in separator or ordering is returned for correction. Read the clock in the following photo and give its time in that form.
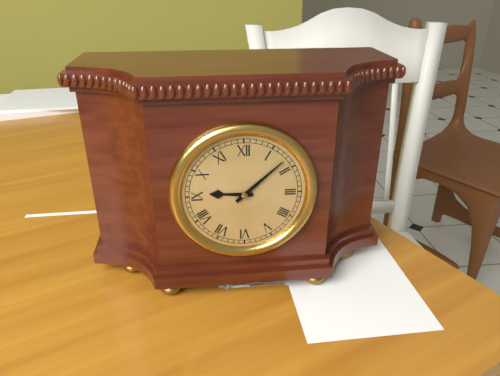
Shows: h=9 m=8
